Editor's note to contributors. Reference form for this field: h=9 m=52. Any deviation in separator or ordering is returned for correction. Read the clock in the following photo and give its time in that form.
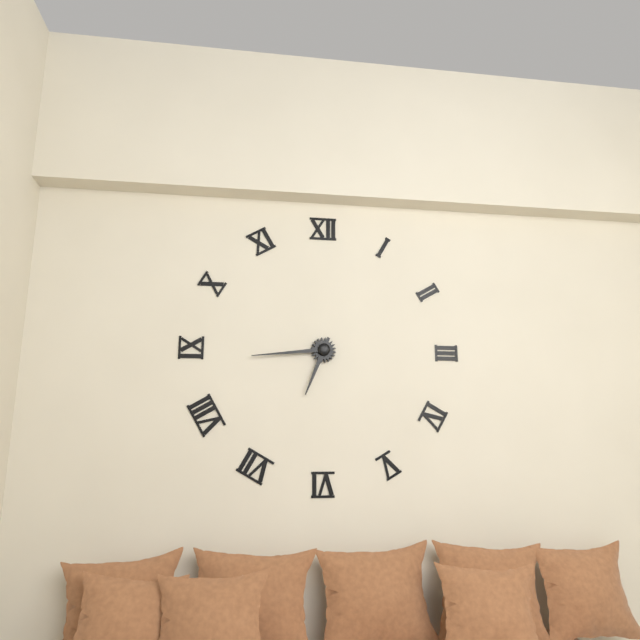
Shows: h=6 m=44
